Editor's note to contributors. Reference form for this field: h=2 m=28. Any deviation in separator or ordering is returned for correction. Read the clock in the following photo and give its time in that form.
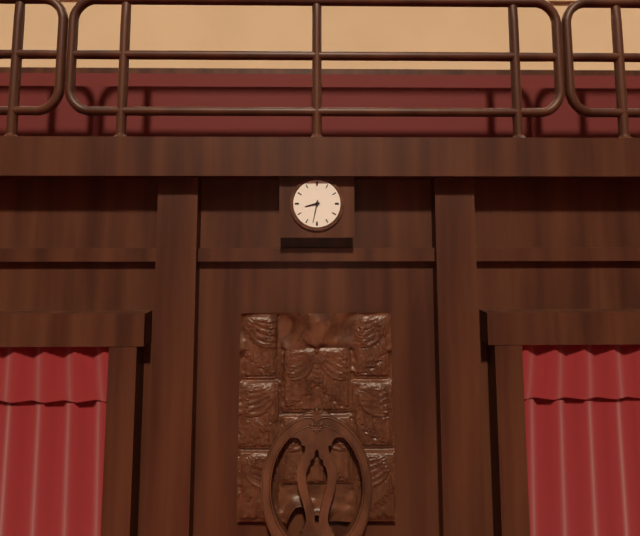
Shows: h=8 m=32
